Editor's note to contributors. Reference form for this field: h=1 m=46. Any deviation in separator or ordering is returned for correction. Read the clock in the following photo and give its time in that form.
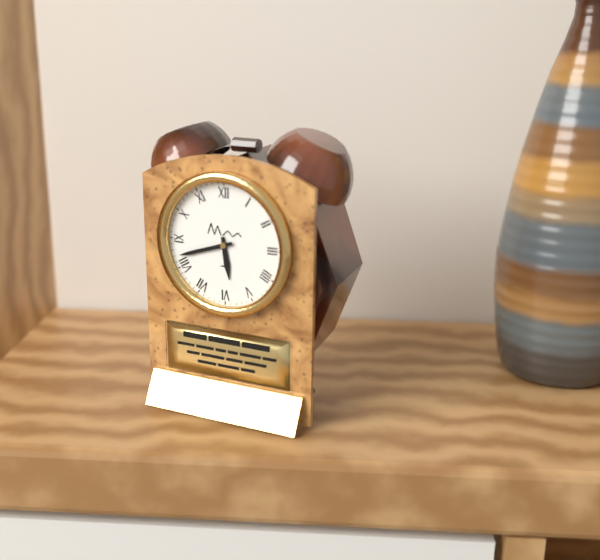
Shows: h=5 m=42
